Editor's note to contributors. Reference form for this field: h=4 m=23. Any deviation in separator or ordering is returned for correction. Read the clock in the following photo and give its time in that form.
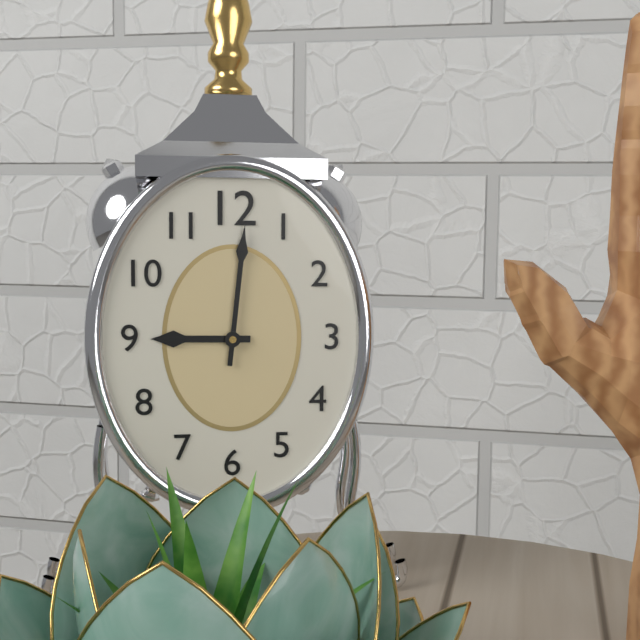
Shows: h=9 m=1
